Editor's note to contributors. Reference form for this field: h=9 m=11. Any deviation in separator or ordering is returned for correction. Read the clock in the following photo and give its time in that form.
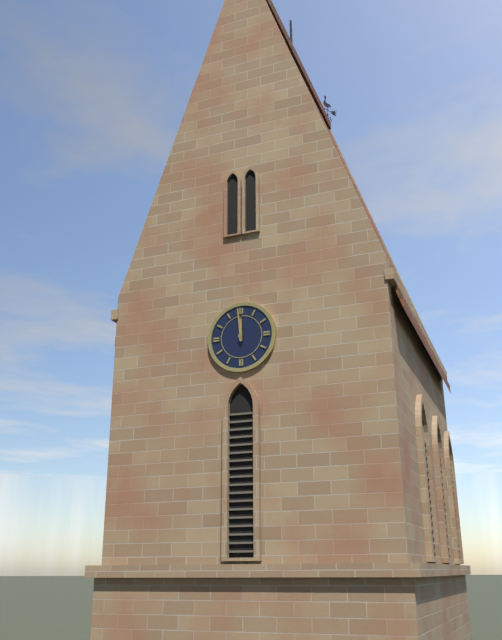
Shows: h=11 m=59
